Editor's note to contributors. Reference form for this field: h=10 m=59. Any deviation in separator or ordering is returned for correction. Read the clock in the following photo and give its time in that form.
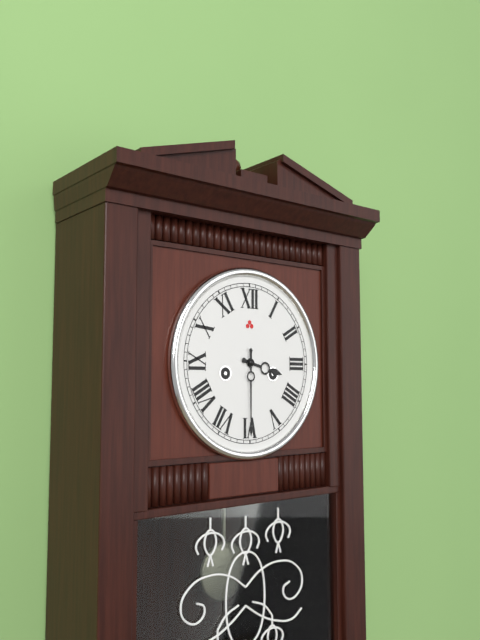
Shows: h=3 m=30
